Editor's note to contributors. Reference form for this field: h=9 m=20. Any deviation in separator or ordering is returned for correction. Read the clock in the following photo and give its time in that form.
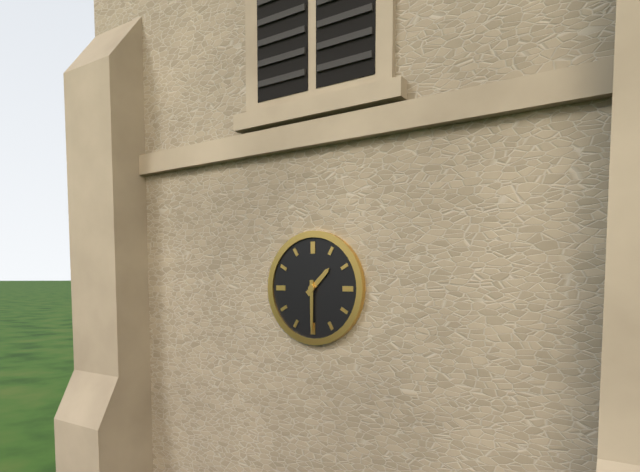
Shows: h=1 m=30
